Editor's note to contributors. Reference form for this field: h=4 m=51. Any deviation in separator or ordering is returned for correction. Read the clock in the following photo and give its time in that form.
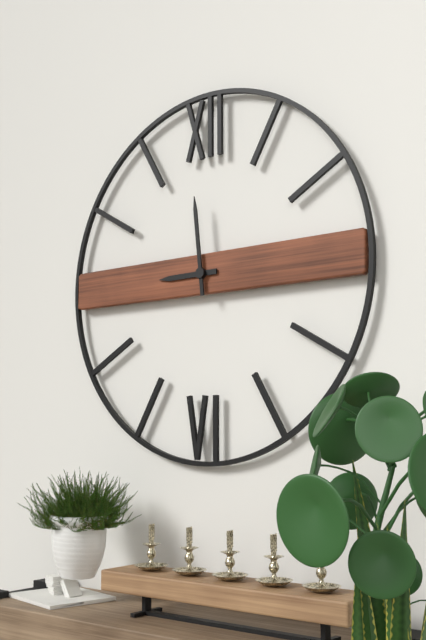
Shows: h=8 m=59
